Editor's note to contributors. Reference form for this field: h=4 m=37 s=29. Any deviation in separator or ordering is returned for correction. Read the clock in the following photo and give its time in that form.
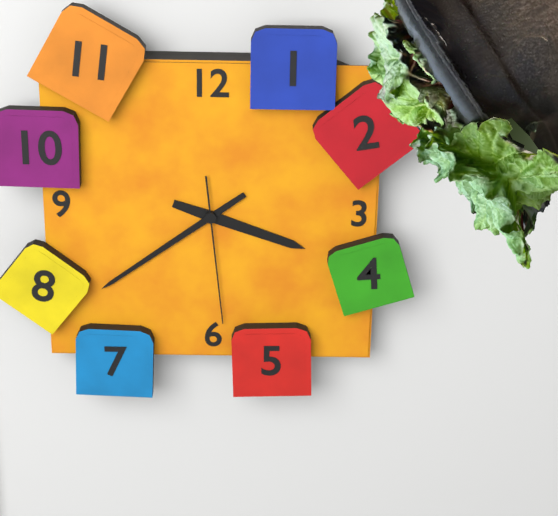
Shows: h=3 m=39 s=29
